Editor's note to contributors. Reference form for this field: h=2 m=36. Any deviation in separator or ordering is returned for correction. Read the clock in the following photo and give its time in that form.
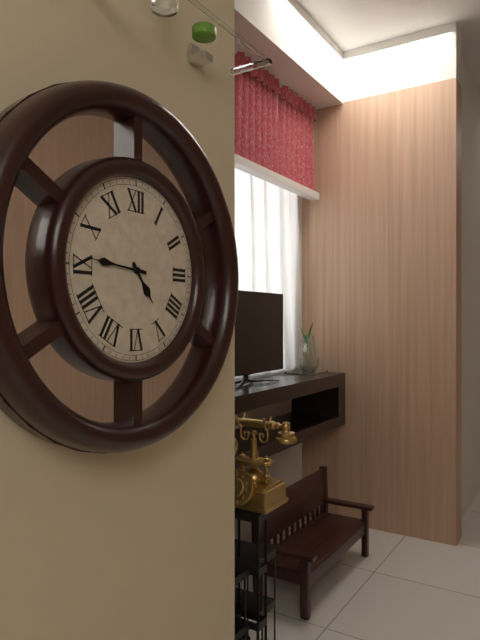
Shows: h=4 m=46
